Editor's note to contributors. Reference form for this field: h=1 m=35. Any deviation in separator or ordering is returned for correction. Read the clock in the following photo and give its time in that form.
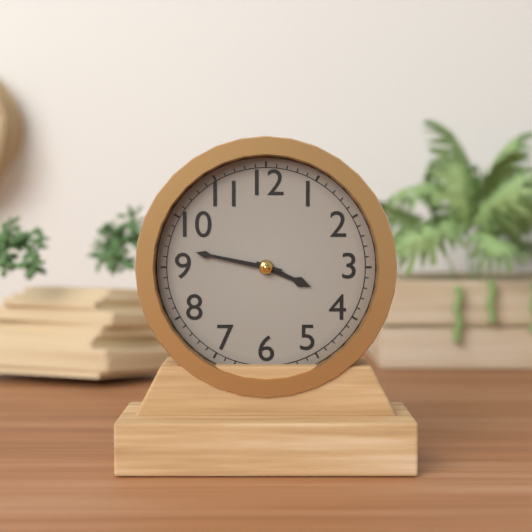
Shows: h=3 m=47
